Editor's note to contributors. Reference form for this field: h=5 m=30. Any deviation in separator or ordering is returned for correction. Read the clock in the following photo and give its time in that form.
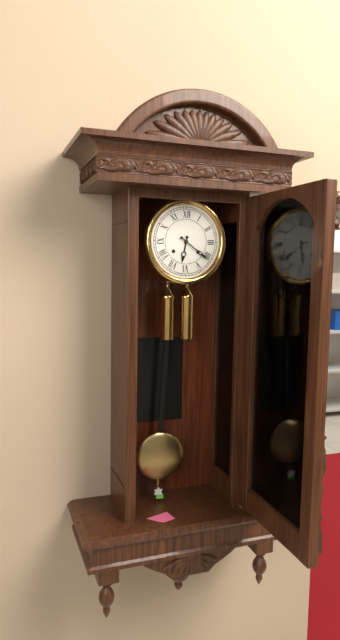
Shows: h=6 m=21
